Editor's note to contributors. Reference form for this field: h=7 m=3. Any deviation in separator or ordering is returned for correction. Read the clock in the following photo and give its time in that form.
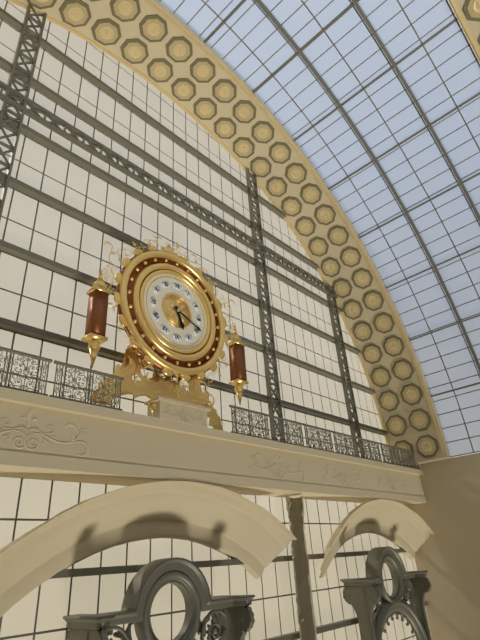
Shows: h=5 m=19
